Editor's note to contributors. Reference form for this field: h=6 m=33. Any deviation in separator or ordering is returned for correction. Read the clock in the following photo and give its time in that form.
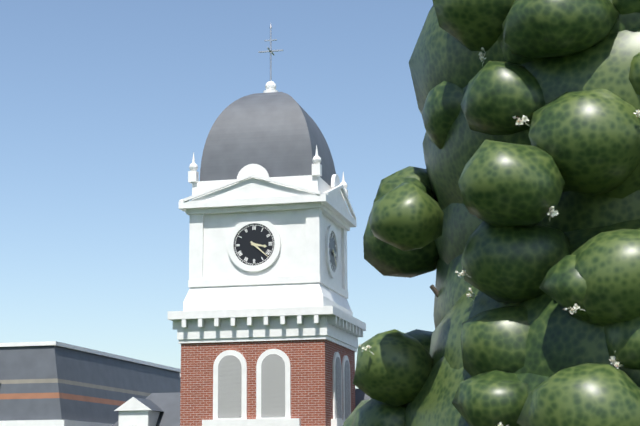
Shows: h=3 m=22
